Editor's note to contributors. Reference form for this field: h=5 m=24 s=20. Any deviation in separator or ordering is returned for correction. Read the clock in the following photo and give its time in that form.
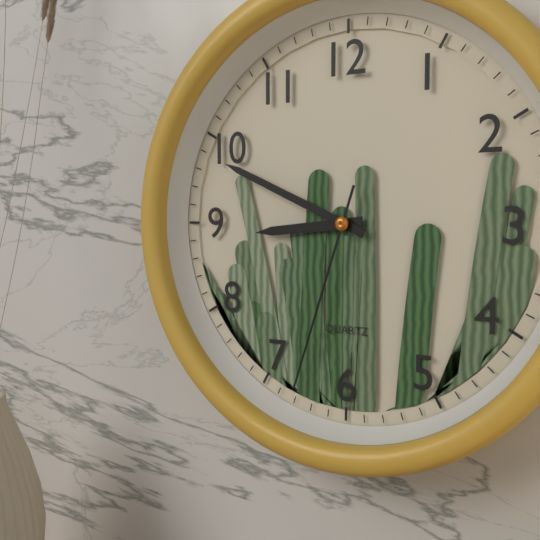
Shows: h=8 m=49 s=33
